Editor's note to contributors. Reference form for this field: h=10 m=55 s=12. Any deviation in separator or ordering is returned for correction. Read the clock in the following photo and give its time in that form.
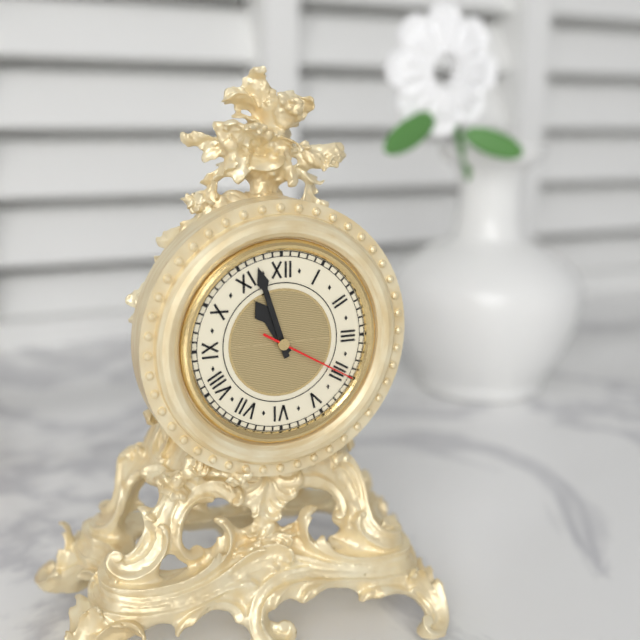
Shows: h=10 m=57 s=20
